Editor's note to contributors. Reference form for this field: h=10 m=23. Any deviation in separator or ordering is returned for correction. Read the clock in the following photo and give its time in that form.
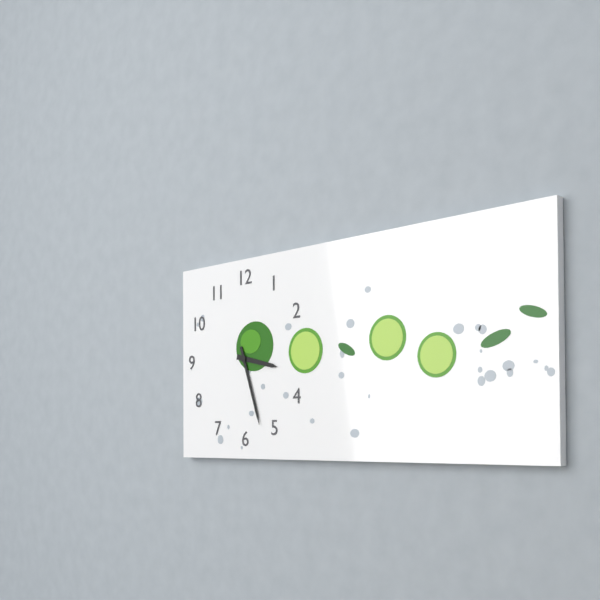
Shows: h=3 m=27
